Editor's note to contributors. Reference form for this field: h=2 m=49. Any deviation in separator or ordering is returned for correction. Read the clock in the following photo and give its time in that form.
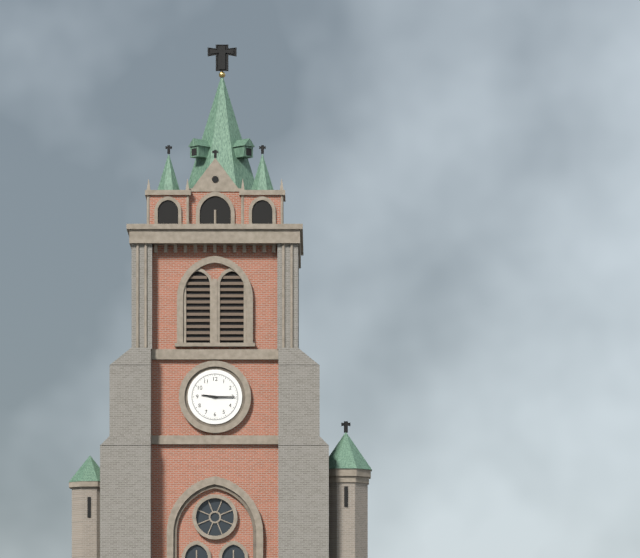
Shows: h=9 m=15
